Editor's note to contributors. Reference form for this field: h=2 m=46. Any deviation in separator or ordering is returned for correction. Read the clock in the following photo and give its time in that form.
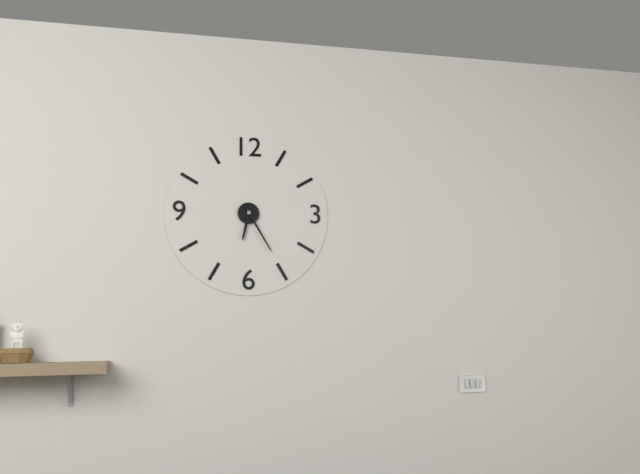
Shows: h=6 m=25
